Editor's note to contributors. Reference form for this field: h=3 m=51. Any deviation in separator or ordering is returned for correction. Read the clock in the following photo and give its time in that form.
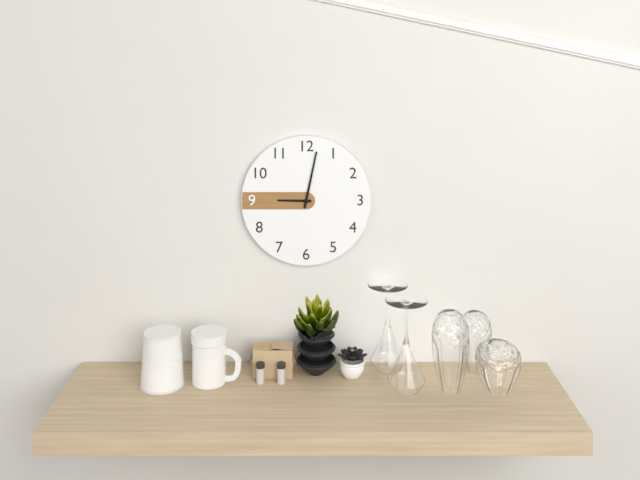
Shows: h=9 m=2
